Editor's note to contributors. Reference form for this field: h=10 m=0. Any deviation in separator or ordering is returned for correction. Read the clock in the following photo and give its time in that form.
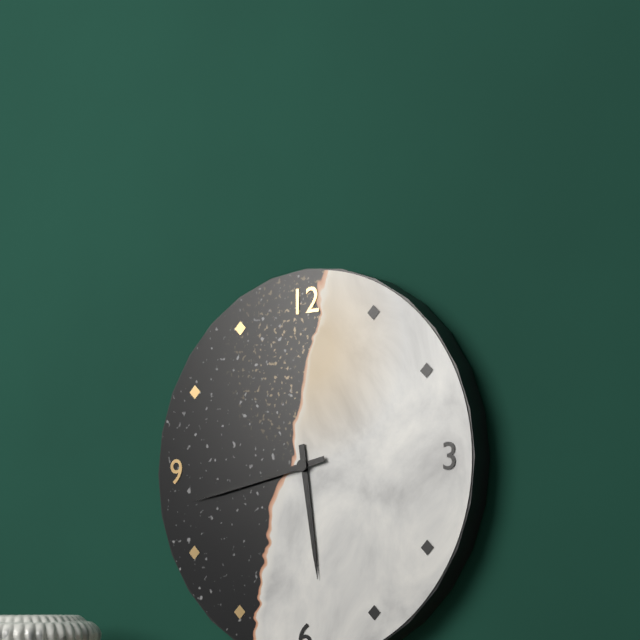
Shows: h=5 m=43
